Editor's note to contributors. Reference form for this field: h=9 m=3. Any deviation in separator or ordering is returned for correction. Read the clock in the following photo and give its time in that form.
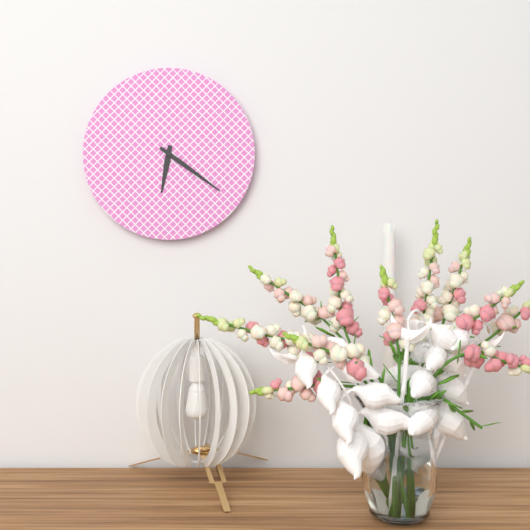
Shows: h=6 m=21
